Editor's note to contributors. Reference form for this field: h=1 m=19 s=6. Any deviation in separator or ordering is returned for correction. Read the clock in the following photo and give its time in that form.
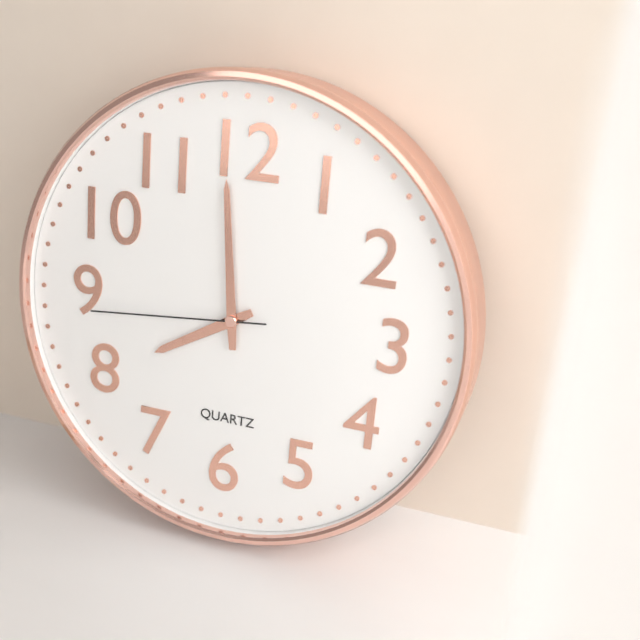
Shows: h=7 m=59 s=44
